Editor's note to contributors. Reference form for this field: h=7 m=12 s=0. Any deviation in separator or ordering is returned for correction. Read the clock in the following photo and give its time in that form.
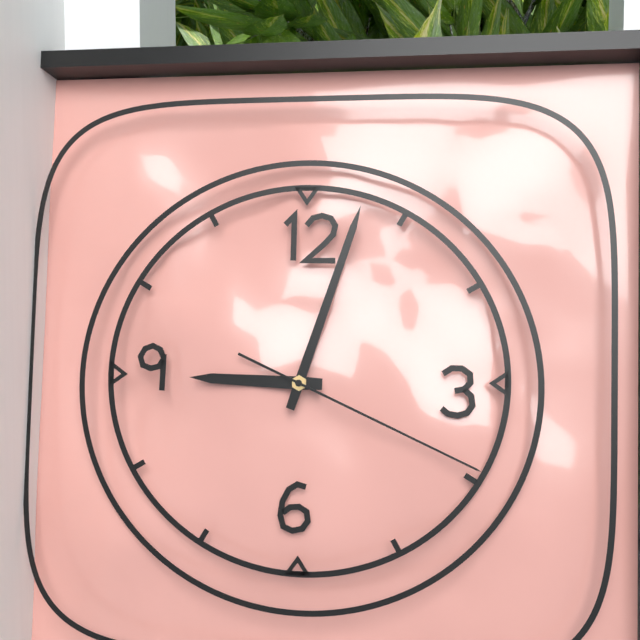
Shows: h=9 m=3 s=19
